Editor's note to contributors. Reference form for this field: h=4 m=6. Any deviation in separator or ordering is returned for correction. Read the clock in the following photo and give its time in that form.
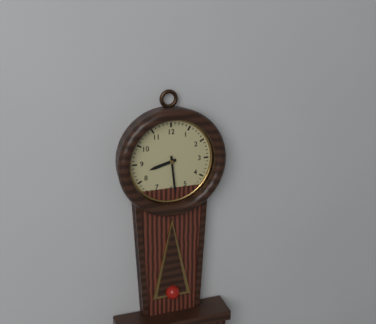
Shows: h=8 m=29
